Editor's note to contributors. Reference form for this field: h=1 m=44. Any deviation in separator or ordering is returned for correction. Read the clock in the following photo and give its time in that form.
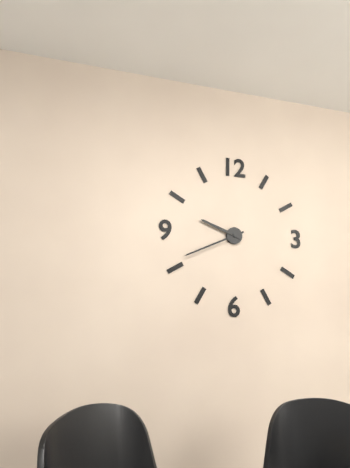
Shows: h=9 m=41
